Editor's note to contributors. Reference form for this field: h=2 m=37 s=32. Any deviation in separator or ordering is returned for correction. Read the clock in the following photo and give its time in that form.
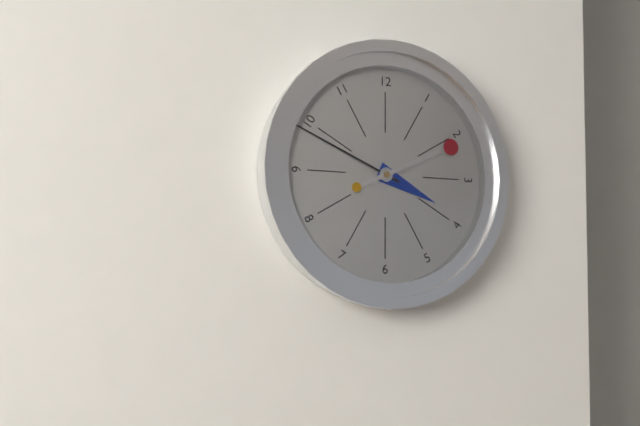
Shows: h=3 m=49 s=11
